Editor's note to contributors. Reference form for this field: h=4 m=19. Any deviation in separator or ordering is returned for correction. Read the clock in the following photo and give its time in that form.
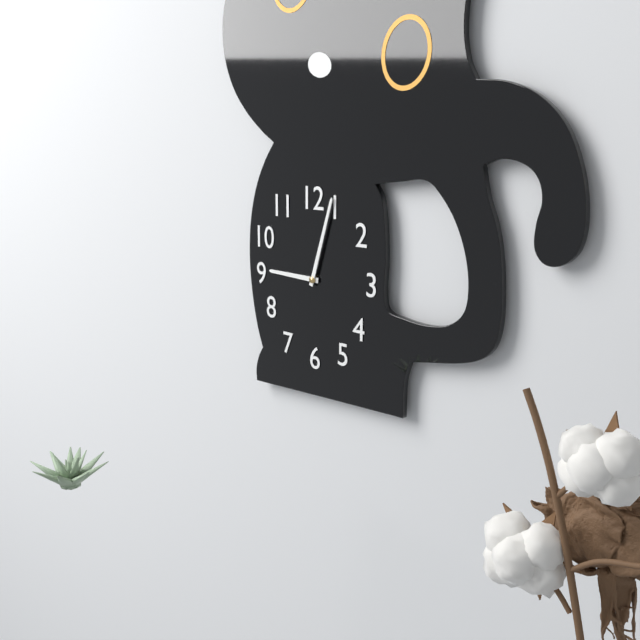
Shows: h=9 m=3
